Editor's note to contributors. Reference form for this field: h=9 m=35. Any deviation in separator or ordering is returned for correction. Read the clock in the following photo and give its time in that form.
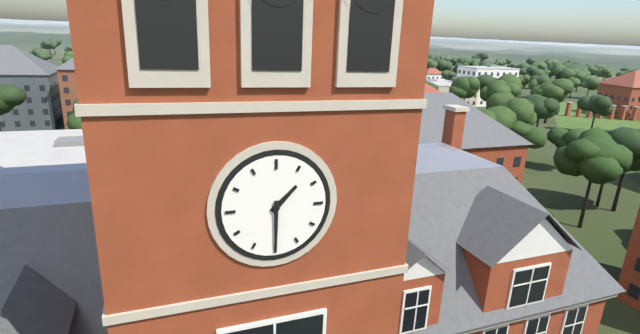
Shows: h=1 m=30
